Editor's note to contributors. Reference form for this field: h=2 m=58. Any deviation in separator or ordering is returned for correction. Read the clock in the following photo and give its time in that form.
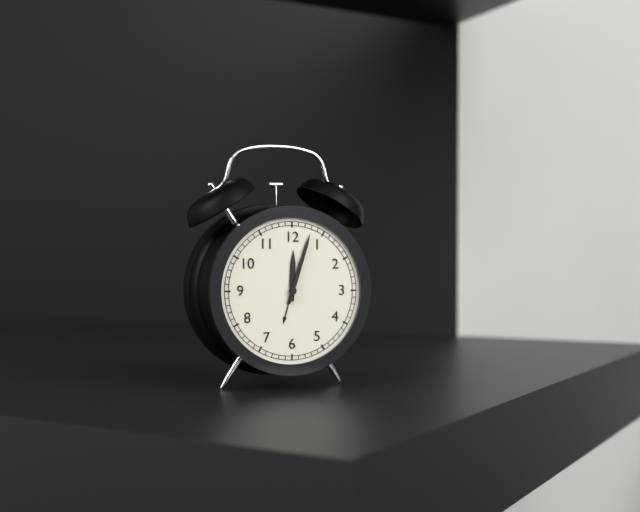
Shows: h=12 m=3
